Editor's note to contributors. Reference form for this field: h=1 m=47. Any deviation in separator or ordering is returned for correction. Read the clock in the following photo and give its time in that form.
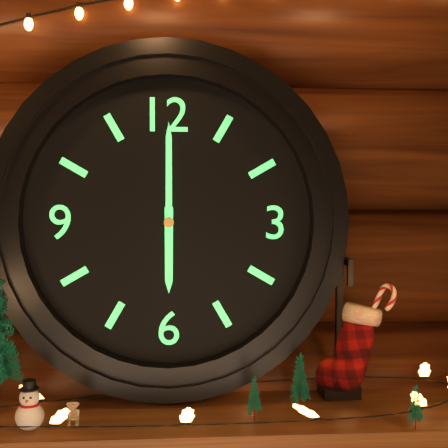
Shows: h=6 m=0
